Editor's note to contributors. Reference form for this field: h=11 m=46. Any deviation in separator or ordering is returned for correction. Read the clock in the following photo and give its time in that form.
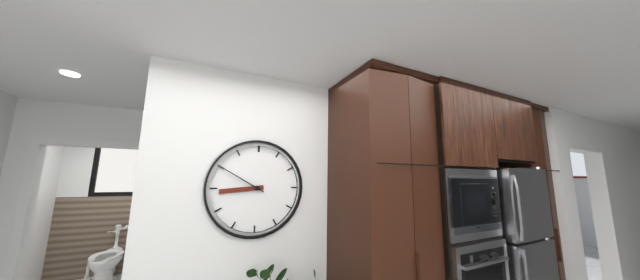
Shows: h=8 m=50
